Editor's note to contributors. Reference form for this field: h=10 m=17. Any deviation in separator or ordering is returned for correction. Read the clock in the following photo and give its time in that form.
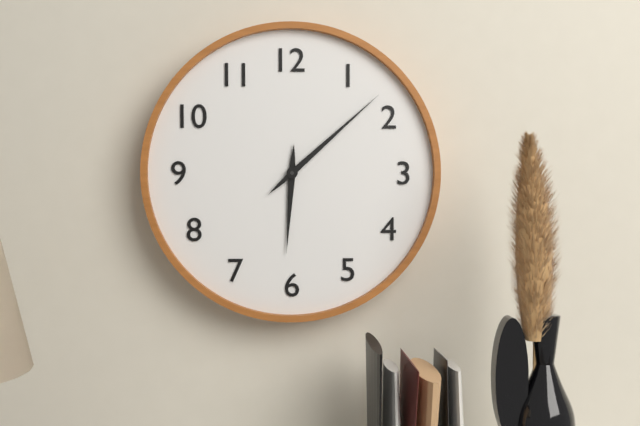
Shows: h=6 m=8
